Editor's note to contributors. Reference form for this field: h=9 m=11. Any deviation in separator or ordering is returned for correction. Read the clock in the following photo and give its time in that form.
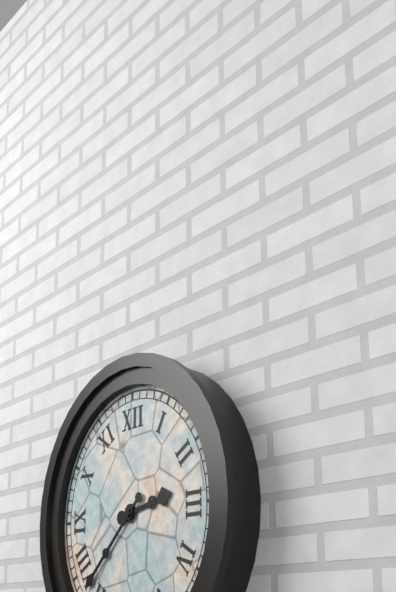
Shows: h=2 m=38
